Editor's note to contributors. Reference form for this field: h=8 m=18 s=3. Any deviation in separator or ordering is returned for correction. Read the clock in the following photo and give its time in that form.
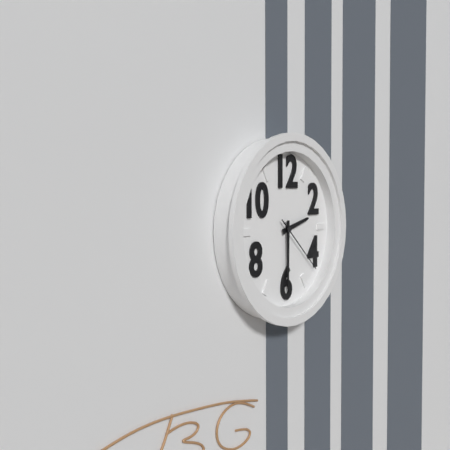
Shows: h=2 m=30 s=22
